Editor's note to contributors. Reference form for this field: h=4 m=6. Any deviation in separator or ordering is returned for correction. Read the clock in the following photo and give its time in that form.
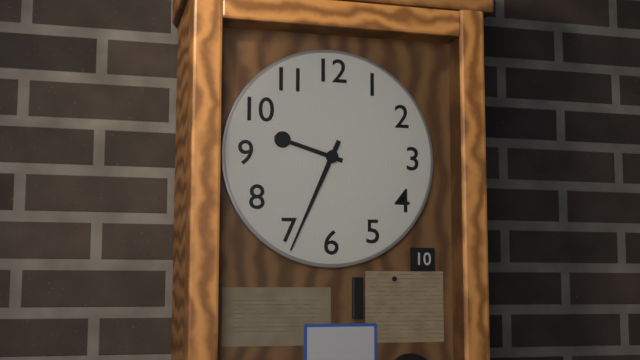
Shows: h=9 m=34
